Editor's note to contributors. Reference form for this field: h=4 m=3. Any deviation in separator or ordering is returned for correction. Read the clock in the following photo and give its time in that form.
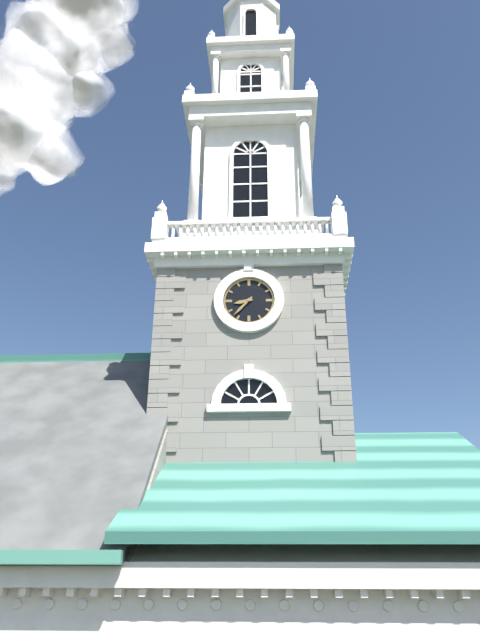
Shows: h=8 m=37
